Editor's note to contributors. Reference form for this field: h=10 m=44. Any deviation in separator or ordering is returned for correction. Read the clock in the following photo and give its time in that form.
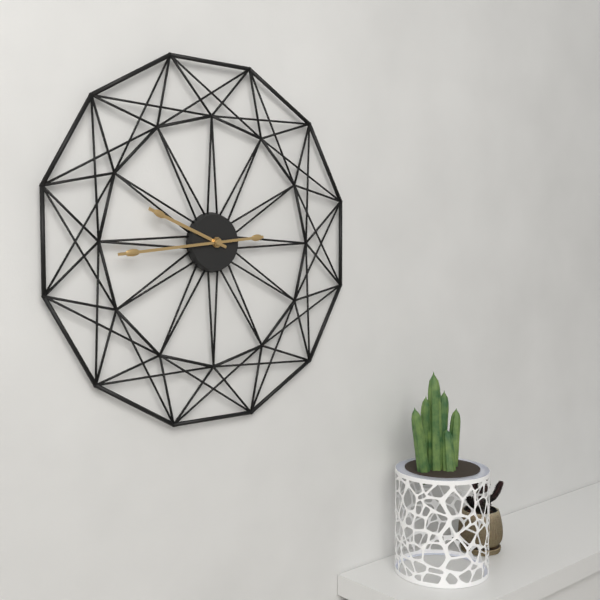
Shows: h=9 m=44
